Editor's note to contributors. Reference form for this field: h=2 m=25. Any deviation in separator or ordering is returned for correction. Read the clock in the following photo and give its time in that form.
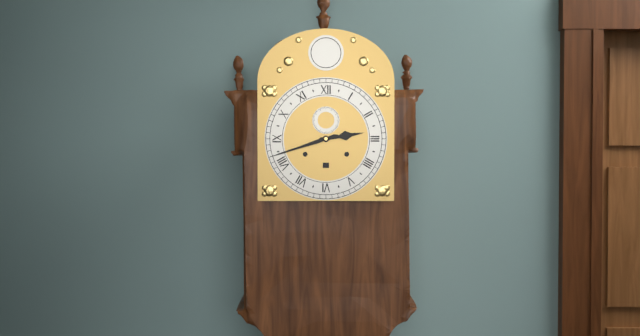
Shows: h=2 m=42
